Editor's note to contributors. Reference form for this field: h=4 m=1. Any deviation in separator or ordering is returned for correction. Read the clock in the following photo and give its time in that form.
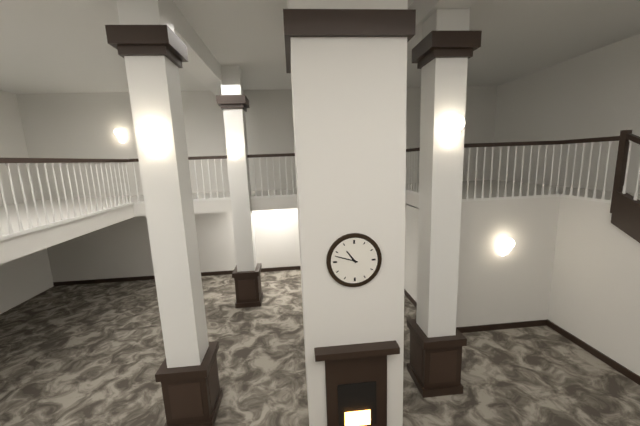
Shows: h=10 m=48
